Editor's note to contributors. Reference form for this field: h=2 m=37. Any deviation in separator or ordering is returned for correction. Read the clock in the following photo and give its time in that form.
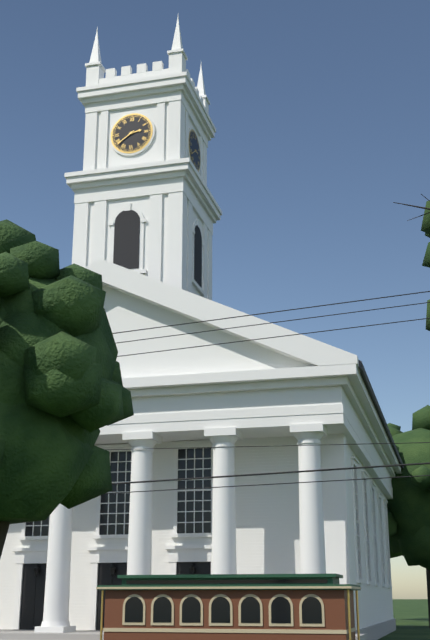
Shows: h=2 m=39
